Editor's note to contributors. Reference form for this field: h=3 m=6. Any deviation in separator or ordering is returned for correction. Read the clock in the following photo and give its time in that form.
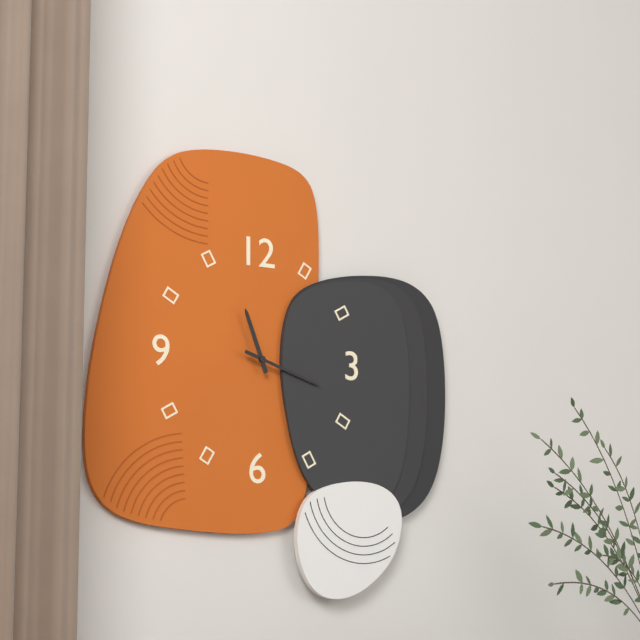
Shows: h=11 m=18
